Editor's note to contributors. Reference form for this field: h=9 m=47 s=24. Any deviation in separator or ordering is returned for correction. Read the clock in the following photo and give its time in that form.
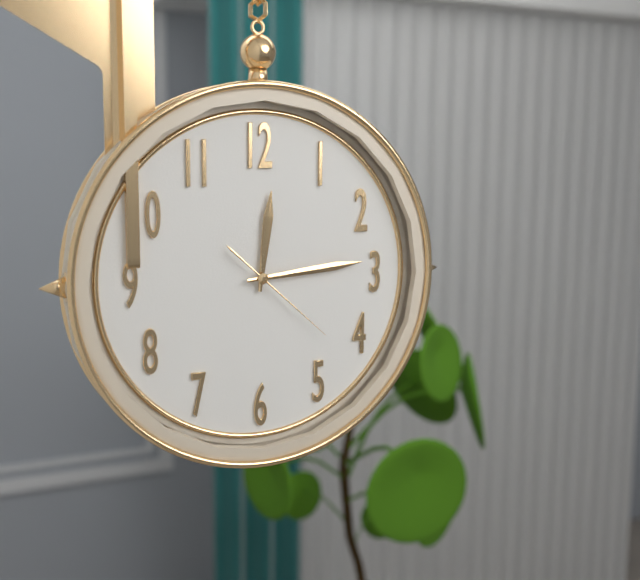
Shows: h=12 m=14 s=22
